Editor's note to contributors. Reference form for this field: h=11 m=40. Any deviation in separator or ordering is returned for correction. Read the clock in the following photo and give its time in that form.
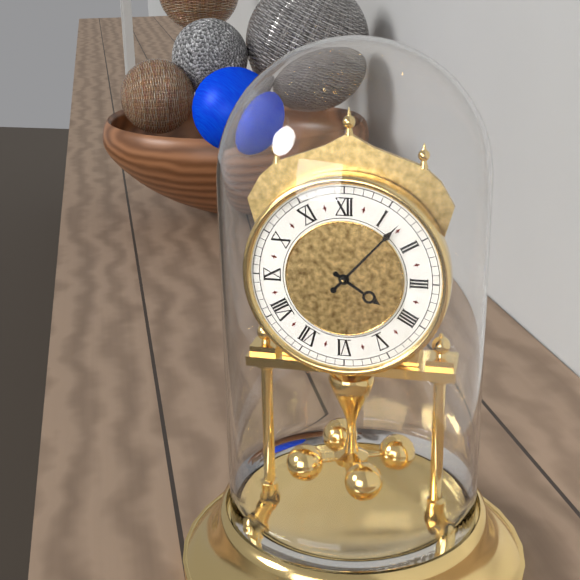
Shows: h=4 m=7
